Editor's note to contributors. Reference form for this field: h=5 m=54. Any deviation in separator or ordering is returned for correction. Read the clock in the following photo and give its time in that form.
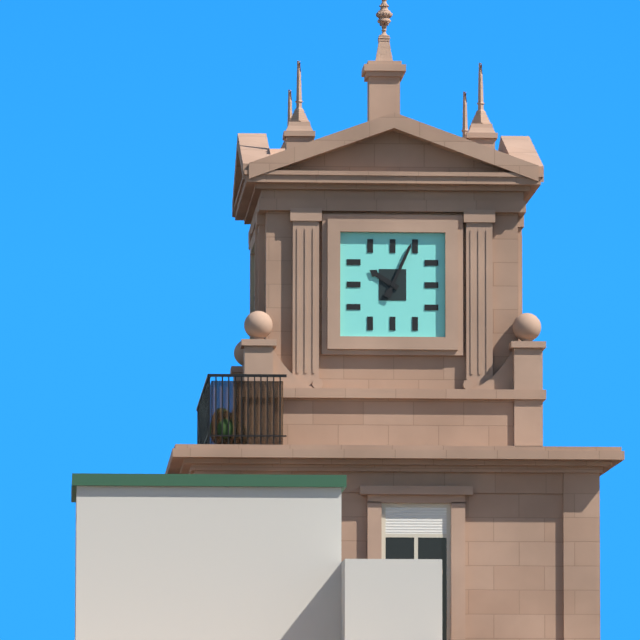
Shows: h=10 m=4
